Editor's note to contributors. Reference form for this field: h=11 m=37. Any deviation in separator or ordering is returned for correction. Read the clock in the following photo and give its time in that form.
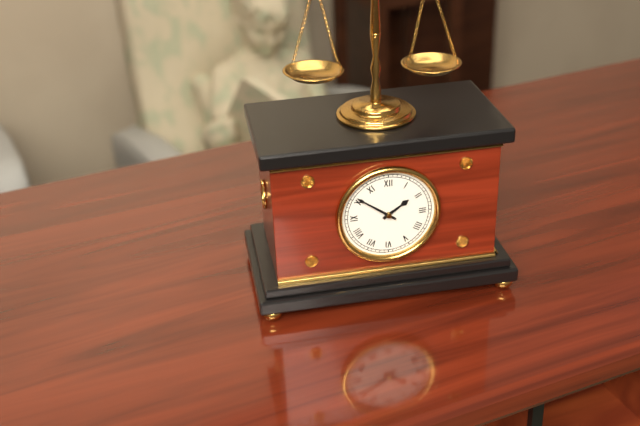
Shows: h=1 m=51
